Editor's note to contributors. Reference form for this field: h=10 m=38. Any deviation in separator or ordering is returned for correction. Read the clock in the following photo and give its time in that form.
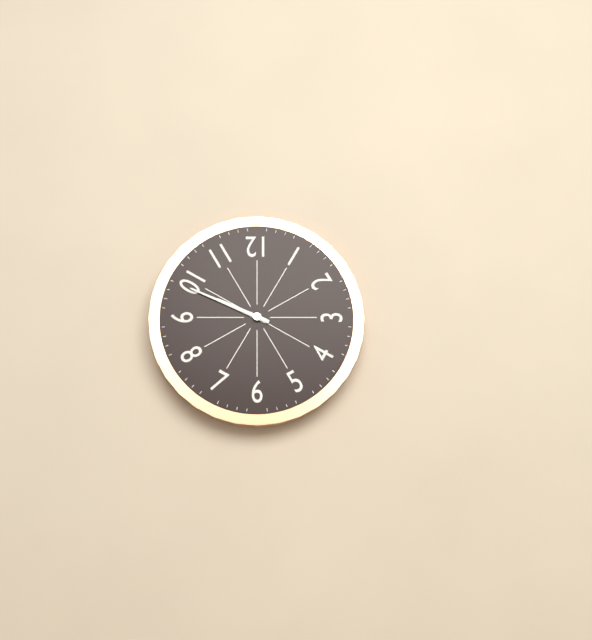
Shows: h=9 m=49
